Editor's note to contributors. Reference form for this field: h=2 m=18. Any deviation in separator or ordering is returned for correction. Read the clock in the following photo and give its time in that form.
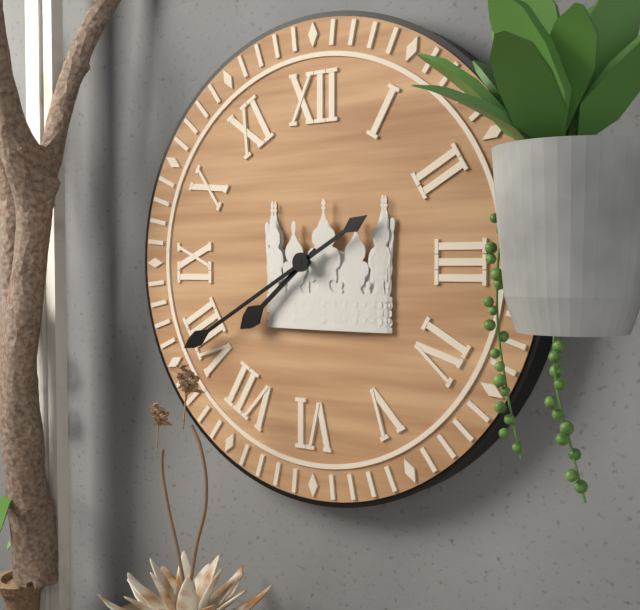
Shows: h=7 m=40
